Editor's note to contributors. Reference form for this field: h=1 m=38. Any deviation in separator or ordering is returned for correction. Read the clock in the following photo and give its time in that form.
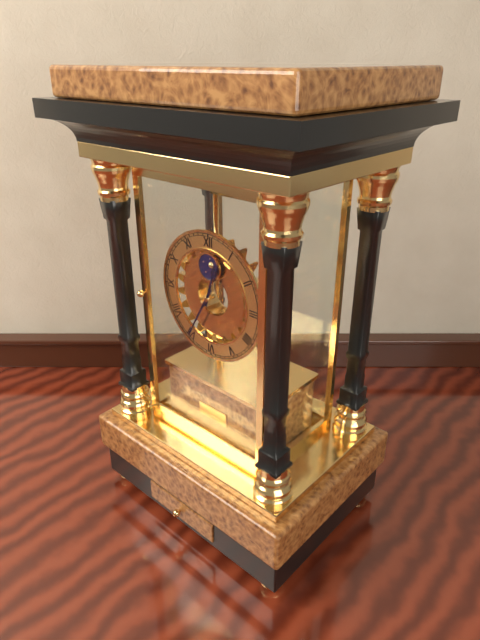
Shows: h=12 m=35
